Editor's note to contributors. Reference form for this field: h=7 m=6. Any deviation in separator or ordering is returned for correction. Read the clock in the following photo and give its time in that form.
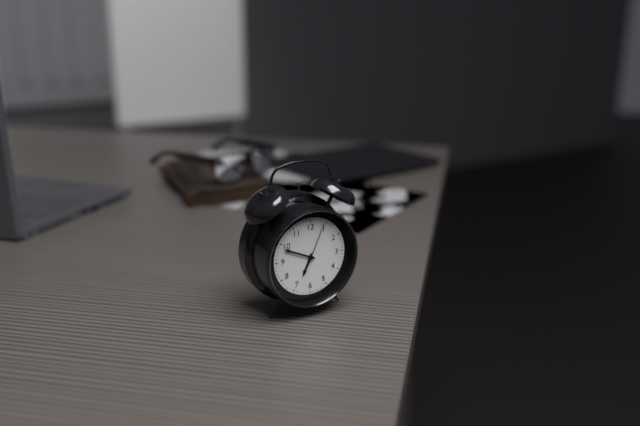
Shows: h=6 m=49
